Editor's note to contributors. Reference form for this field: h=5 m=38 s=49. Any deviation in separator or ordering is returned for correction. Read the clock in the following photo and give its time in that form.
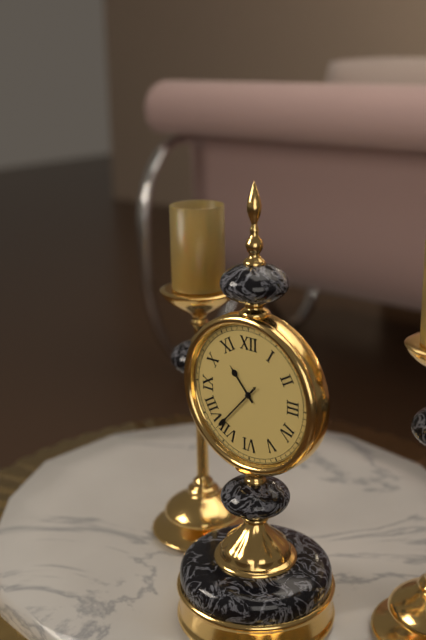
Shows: h=10 m=37 s=37
